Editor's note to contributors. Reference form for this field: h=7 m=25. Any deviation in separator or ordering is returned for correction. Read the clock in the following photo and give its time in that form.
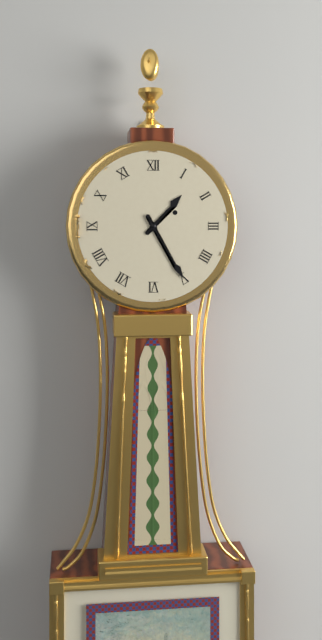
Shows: h=1 m=25
